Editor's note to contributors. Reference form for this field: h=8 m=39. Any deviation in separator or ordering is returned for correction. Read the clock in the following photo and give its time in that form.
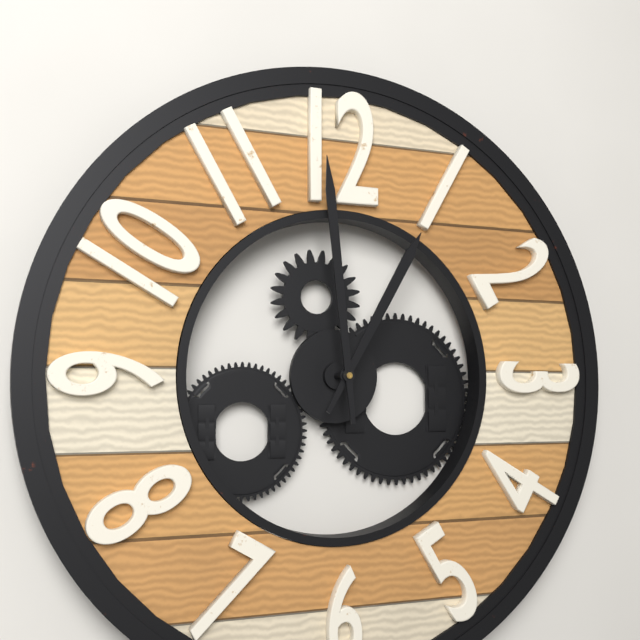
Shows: h=12 m=59
